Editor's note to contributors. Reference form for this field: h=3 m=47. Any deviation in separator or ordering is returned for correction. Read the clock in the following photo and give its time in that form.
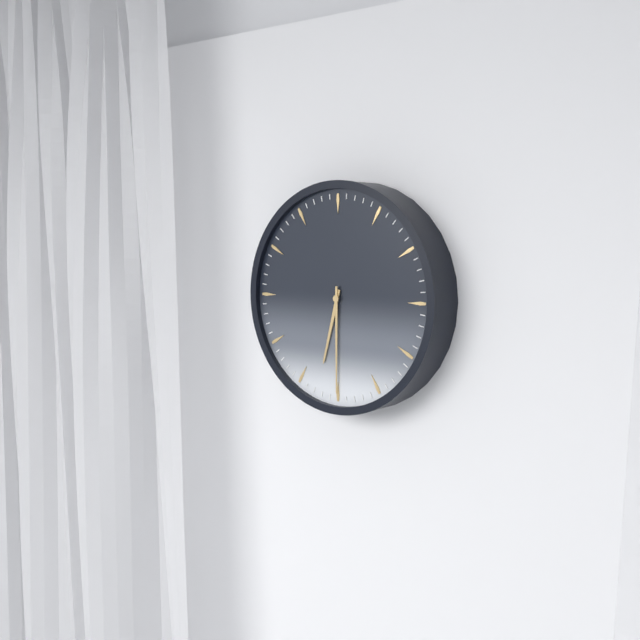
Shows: h=6 m=30
